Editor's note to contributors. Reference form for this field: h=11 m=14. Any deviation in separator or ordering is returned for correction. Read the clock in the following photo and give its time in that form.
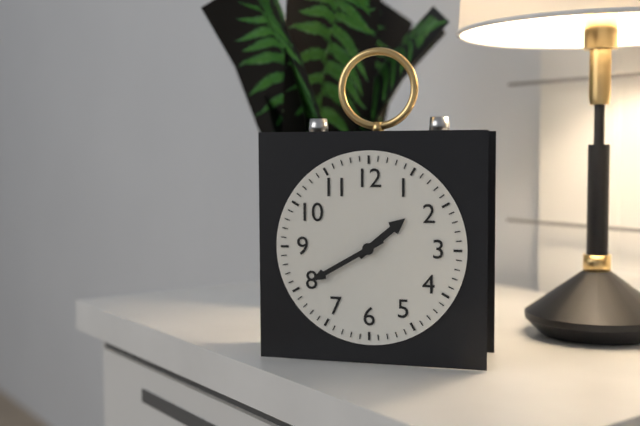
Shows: h=1 m=40
